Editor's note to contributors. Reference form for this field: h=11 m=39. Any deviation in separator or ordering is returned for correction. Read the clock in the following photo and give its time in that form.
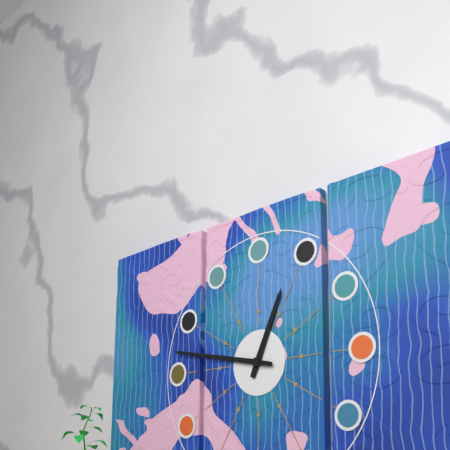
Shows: h=12 m=47
